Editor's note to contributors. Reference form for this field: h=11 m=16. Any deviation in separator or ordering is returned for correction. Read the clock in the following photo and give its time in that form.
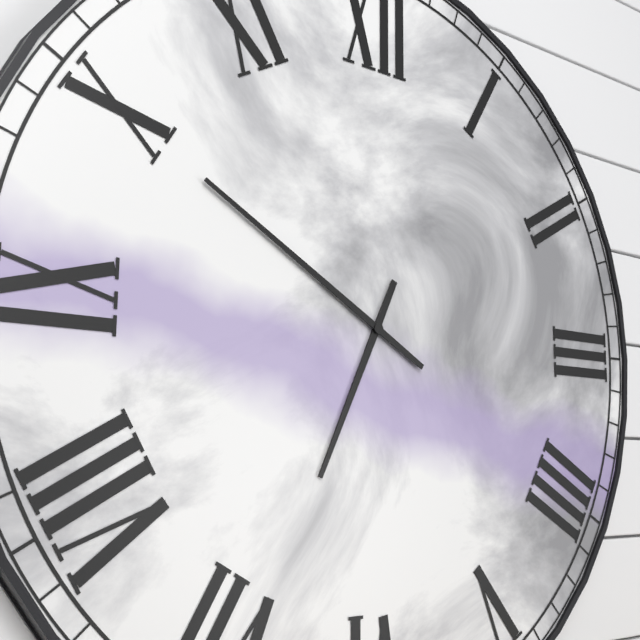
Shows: h=6 m=50
